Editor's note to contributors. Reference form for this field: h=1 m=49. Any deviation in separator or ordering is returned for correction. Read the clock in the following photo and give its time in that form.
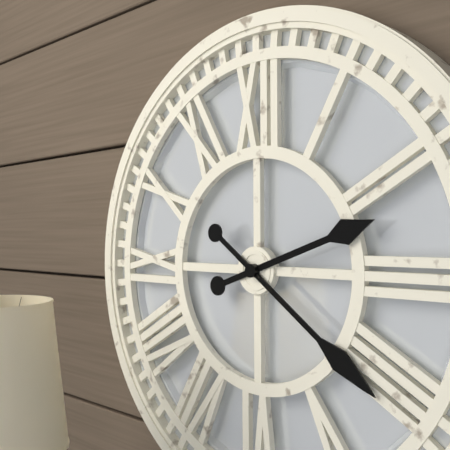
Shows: h=2 m=21
